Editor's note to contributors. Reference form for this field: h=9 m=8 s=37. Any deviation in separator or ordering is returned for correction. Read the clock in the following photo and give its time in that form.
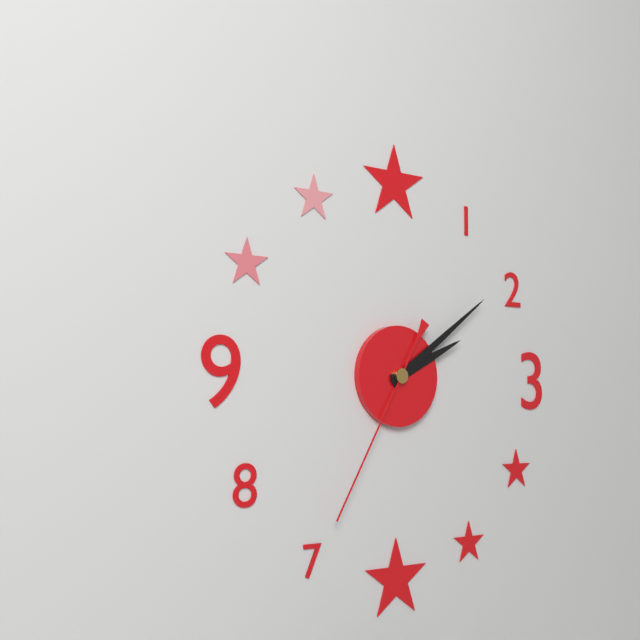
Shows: h=2 m=9 s=35
